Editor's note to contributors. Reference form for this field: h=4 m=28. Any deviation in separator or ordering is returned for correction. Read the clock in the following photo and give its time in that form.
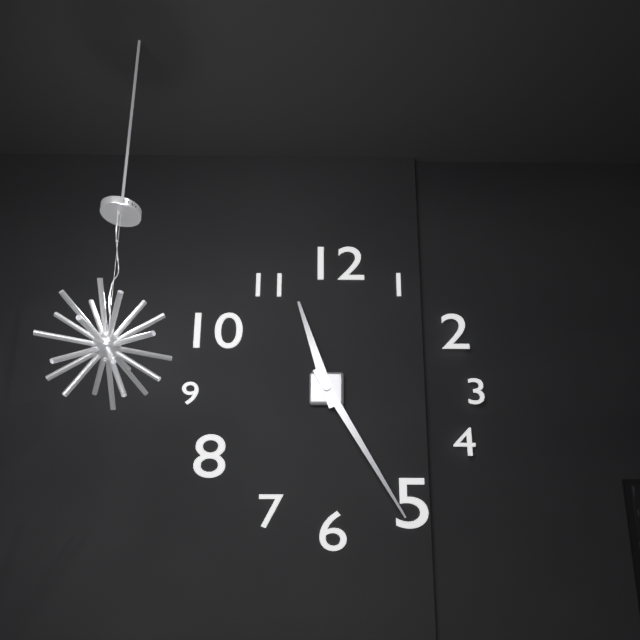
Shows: h=11 m=25
